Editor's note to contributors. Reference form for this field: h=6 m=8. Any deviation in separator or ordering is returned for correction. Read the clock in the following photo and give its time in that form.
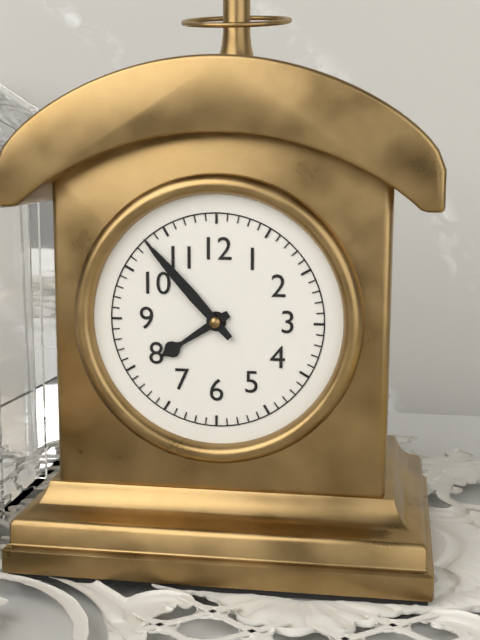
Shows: h=7 m=53
